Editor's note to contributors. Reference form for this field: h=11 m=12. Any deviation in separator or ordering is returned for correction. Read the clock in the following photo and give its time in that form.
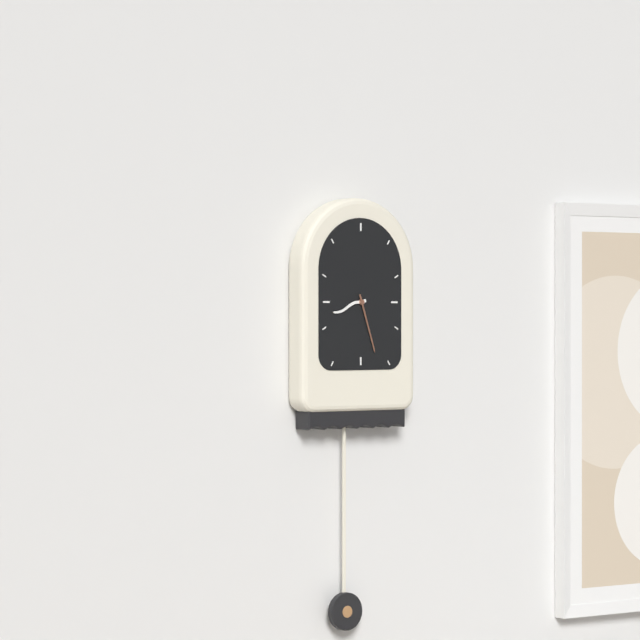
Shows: h=8 m=27
